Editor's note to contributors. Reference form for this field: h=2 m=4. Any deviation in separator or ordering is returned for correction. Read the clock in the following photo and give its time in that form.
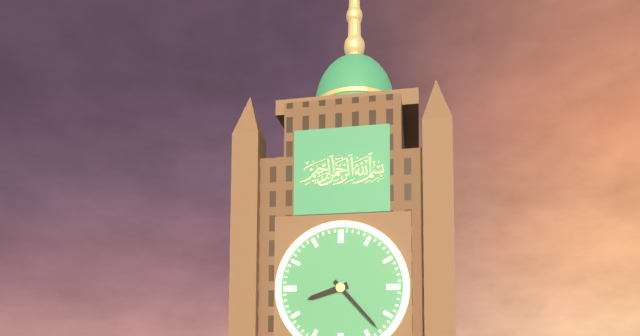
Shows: h=8 m=23
